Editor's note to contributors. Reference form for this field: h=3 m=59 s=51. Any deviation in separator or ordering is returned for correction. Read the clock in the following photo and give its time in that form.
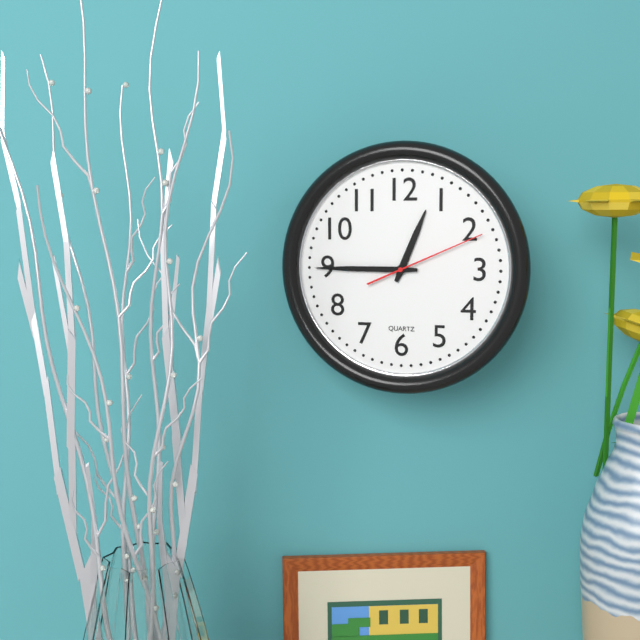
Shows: h=12 m=45 s=11
